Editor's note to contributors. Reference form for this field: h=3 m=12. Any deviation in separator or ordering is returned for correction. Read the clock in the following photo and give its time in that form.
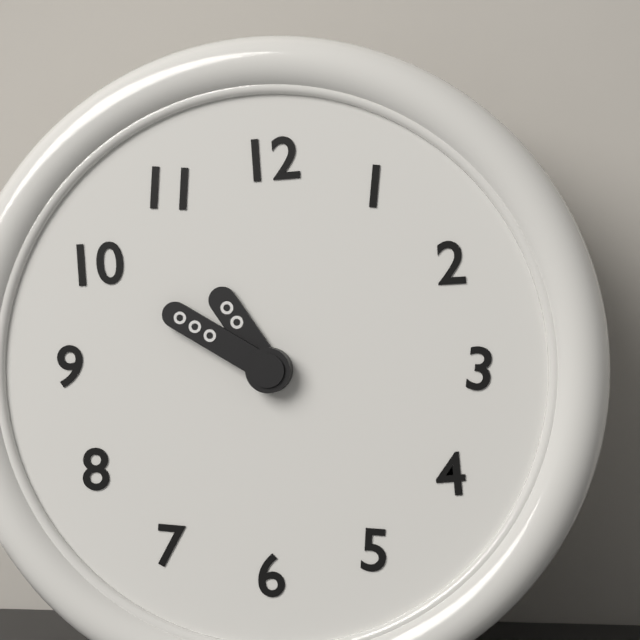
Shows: h=10 m=50
